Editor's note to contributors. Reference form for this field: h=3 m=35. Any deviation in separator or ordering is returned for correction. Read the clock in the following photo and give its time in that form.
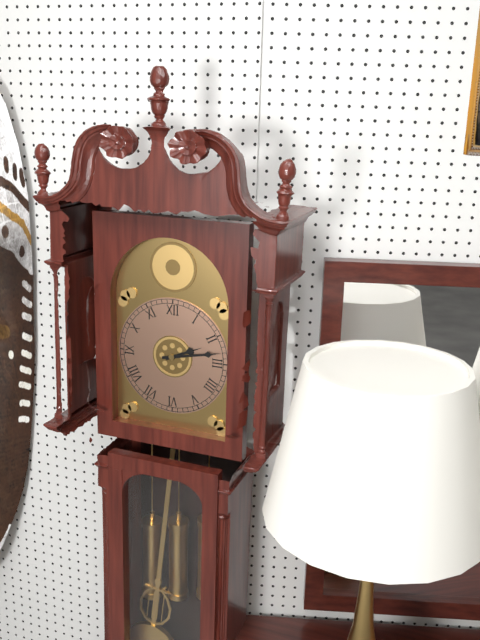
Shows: h=2 m=13
